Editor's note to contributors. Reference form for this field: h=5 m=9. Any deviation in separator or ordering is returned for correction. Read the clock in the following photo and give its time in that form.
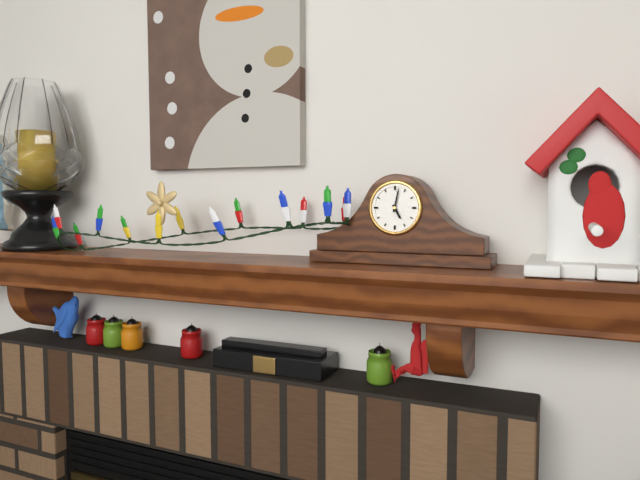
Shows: h=5 m=2
